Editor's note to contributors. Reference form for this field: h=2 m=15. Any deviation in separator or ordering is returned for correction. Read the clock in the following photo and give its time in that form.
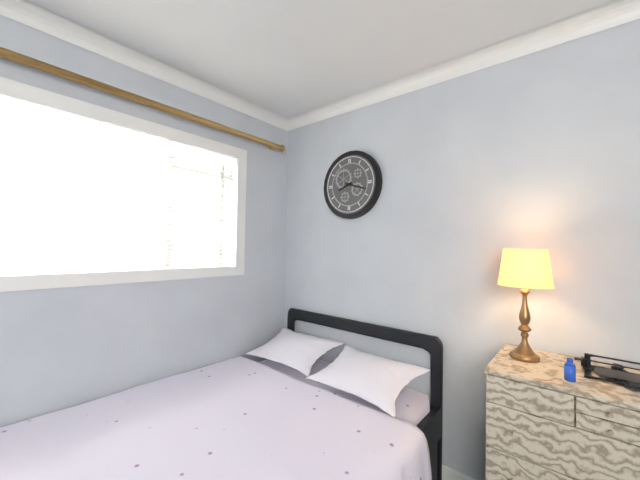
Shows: h=8 m=18
